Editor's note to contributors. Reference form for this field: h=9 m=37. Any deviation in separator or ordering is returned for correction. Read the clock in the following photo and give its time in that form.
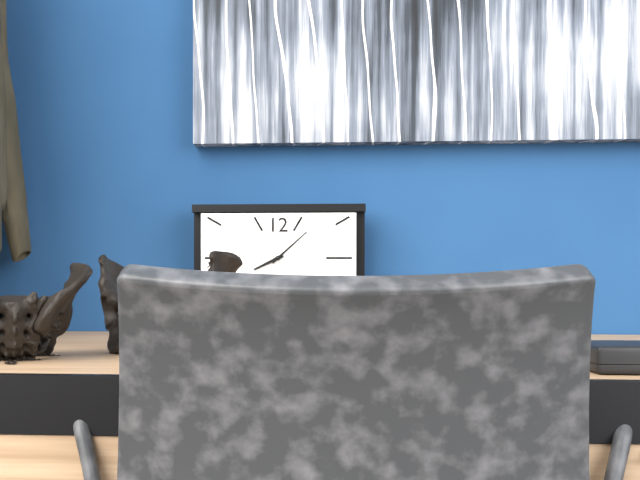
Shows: h=8 m=8
